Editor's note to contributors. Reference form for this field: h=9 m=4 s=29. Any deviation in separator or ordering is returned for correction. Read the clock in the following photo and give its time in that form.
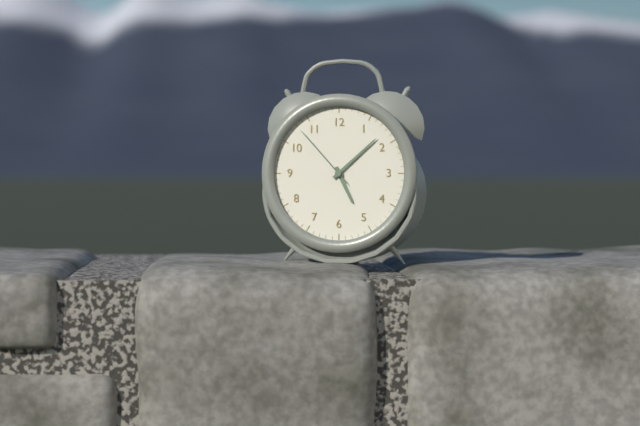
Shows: h=5 m=8 s=53
